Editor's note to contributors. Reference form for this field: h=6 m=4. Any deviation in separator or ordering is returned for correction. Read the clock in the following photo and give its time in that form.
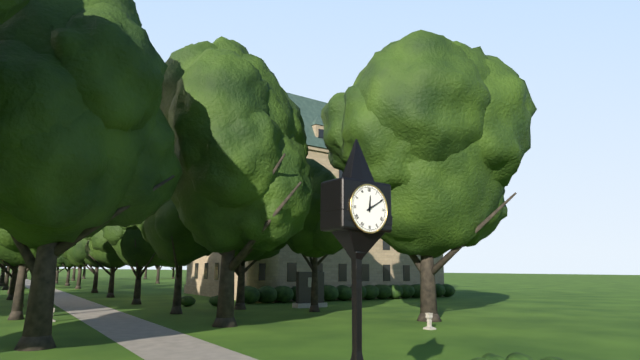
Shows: h=12 m=10
